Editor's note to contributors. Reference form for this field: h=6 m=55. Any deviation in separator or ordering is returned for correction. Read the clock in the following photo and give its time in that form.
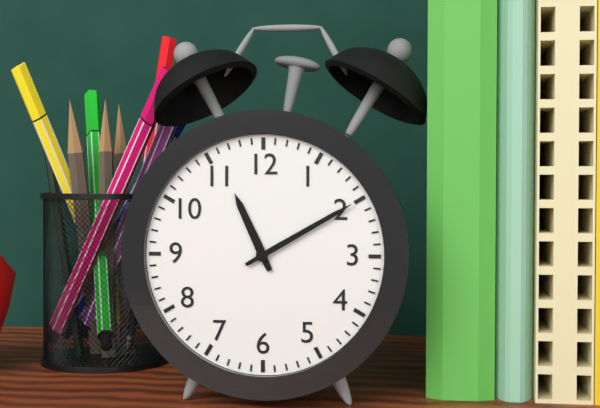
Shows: h=11 m=10
